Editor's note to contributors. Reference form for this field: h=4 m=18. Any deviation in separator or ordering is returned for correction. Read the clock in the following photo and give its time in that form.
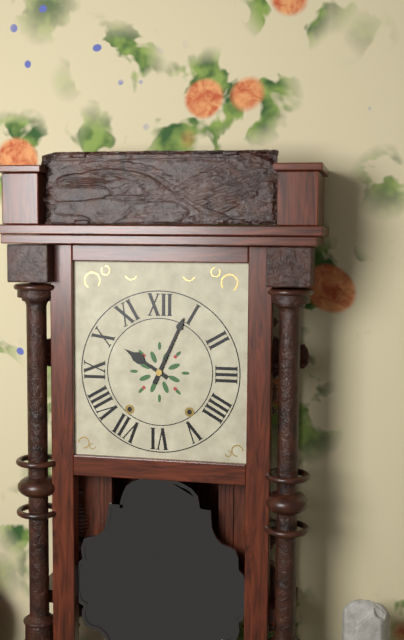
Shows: h=10 m=4
